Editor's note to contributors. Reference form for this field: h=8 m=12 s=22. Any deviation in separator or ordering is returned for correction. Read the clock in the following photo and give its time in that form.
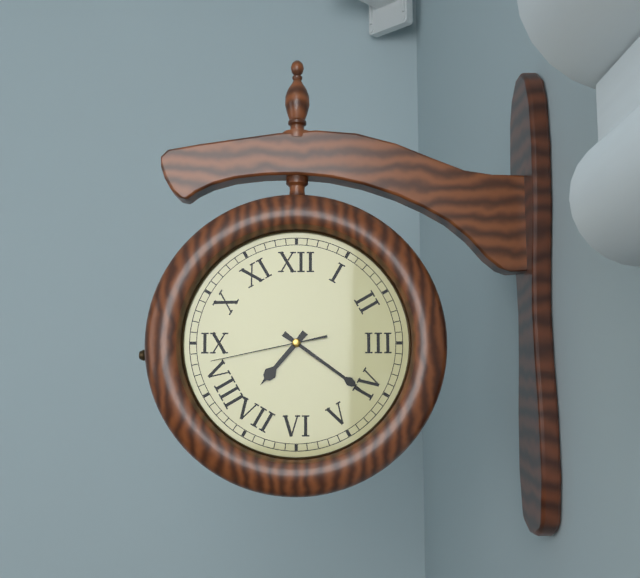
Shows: h=7 m=21 s=43
